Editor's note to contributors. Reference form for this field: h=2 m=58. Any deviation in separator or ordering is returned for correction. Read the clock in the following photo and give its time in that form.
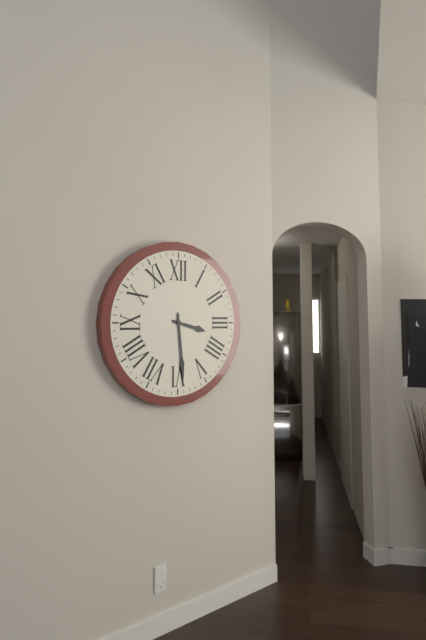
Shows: h=3 m=29
